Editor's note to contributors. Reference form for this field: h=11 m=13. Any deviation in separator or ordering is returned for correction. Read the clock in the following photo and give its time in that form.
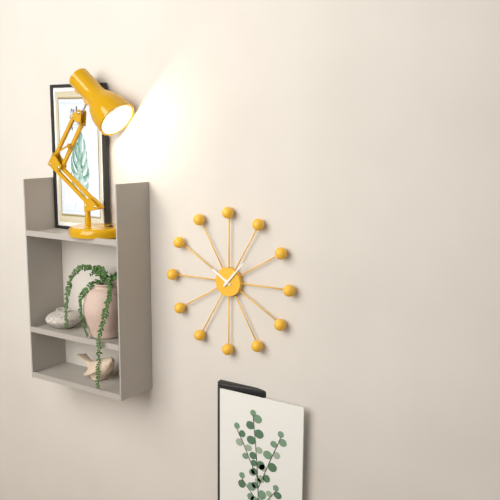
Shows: h=10 m=7
